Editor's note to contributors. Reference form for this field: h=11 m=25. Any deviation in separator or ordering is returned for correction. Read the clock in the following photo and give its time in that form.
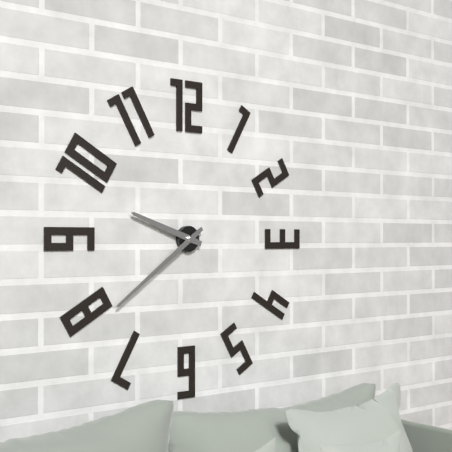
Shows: h=9 m=39
